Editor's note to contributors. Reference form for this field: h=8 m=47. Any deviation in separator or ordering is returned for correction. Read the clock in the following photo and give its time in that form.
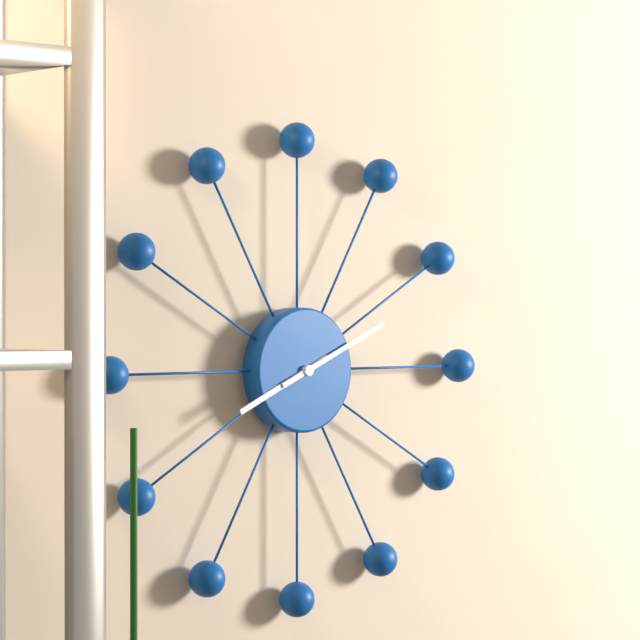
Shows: h=8 m=11
